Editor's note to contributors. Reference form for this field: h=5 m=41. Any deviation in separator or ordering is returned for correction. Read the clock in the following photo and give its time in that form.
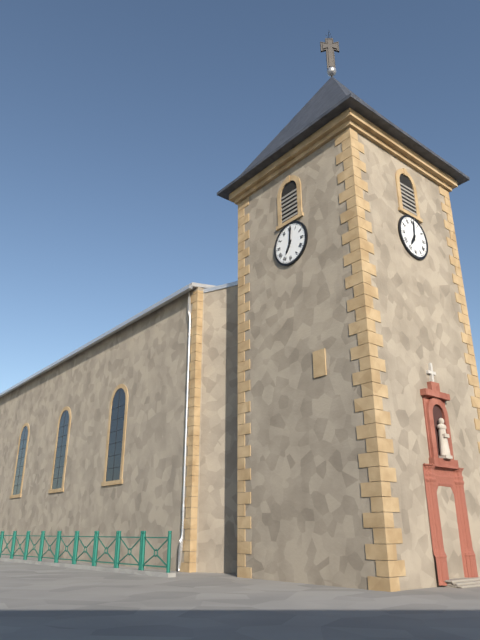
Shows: h=7 m=1
